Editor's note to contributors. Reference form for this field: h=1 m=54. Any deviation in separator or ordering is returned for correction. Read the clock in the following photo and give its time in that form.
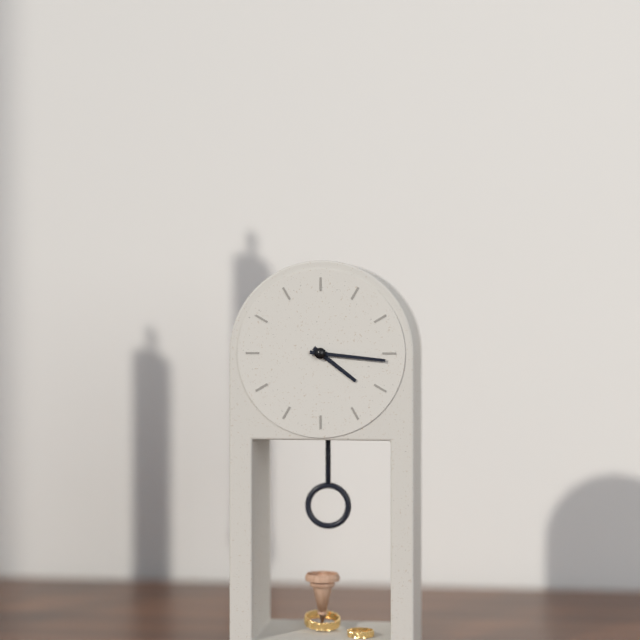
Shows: h=4 m=16
